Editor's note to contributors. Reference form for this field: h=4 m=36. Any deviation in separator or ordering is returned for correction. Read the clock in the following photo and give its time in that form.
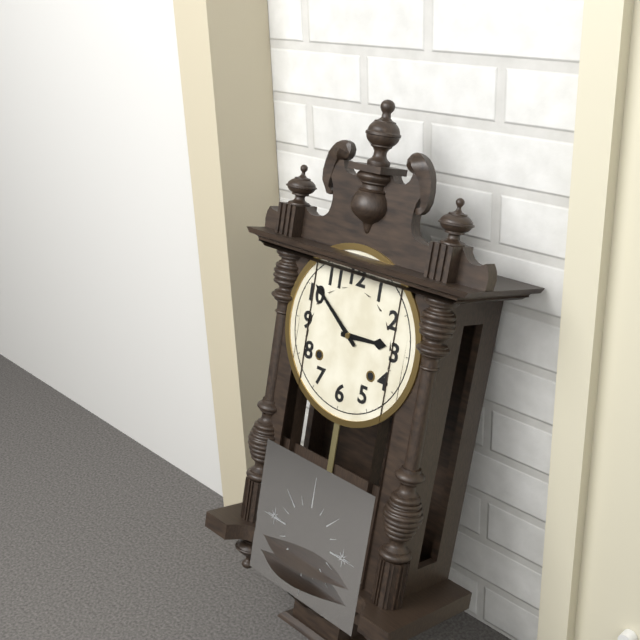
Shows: h=2 m=51
